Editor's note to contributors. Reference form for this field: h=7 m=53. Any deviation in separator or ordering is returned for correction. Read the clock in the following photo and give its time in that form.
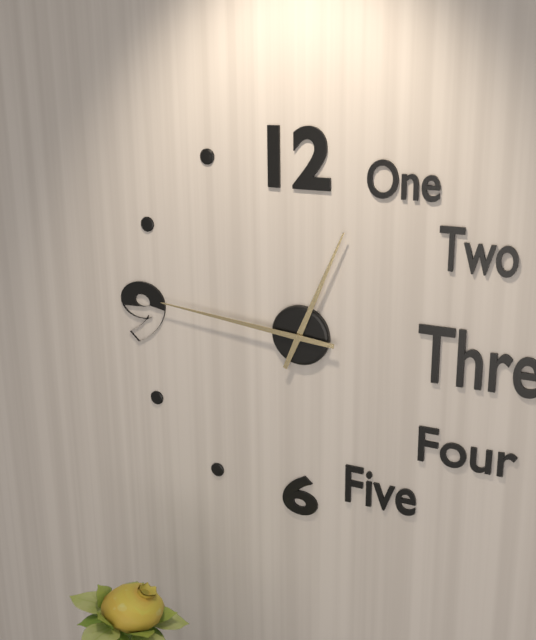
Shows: h=12 m=46
